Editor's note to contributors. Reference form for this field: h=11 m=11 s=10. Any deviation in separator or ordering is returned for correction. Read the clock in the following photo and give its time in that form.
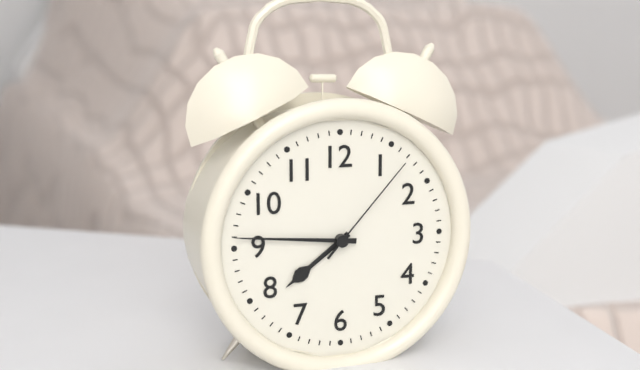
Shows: h=7 m=46 s=7
